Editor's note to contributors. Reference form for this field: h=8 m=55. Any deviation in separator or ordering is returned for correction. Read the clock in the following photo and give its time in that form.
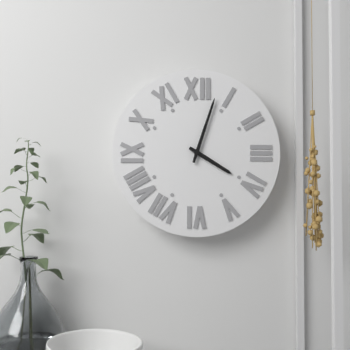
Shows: h=4 m=3
